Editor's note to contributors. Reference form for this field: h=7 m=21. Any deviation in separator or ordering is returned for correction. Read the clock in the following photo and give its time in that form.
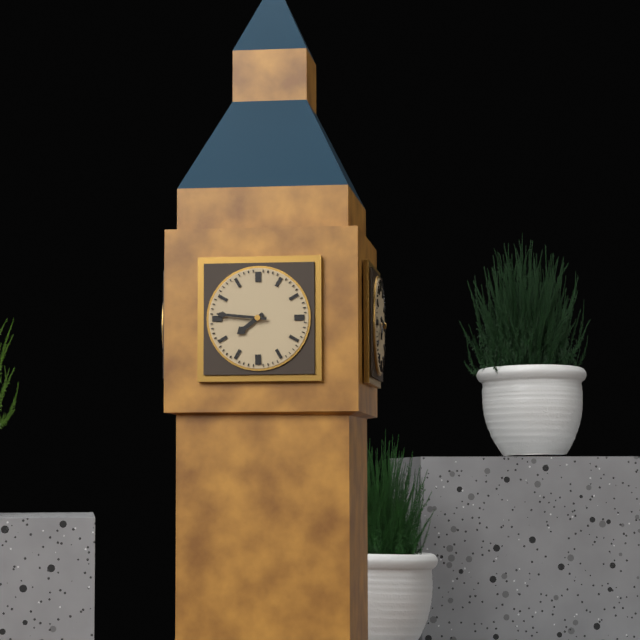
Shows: h=7 m=46
